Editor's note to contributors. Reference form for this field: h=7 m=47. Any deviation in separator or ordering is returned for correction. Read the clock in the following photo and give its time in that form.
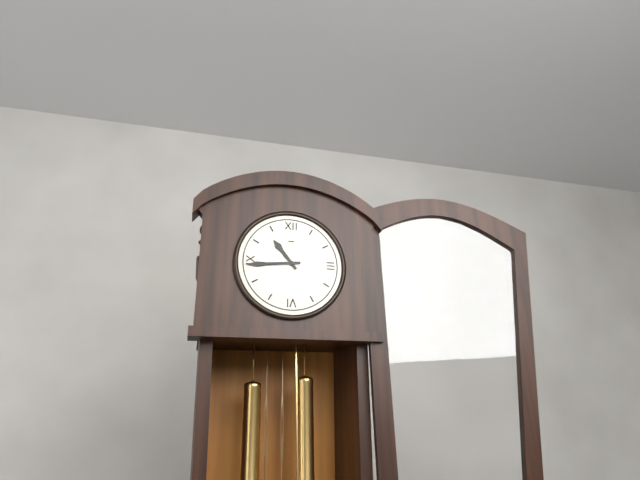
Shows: h=10 m=44
